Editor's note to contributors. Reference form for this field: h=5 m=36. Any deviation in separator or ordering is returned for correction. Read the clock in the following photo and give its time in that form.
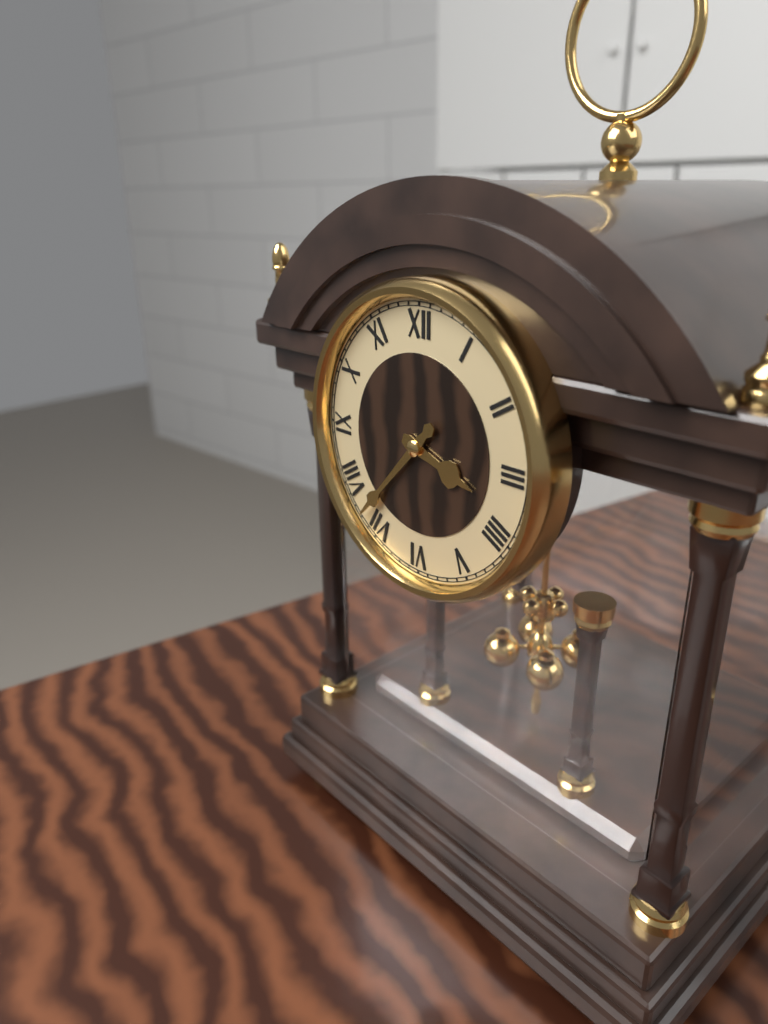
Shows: h=3 m=37
